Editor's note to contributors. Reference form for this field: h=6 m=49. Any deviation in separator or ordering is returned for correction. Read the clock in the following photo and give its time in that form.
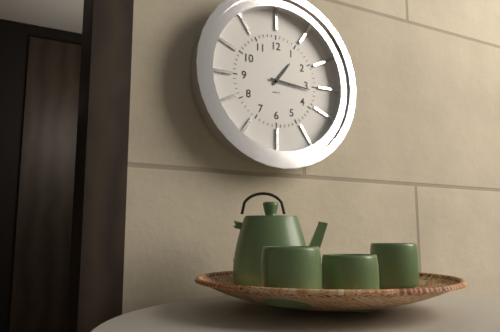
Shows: h=1 m=16
